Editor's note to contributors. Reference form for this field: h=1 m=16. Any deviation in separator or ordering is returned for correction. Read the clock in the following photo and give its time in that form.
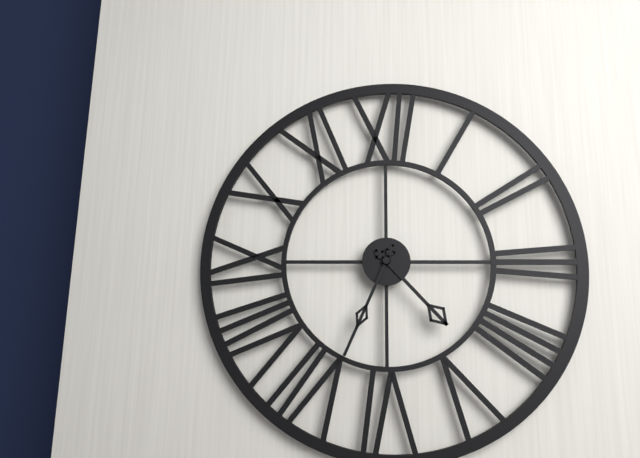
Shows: h=4 m=34
